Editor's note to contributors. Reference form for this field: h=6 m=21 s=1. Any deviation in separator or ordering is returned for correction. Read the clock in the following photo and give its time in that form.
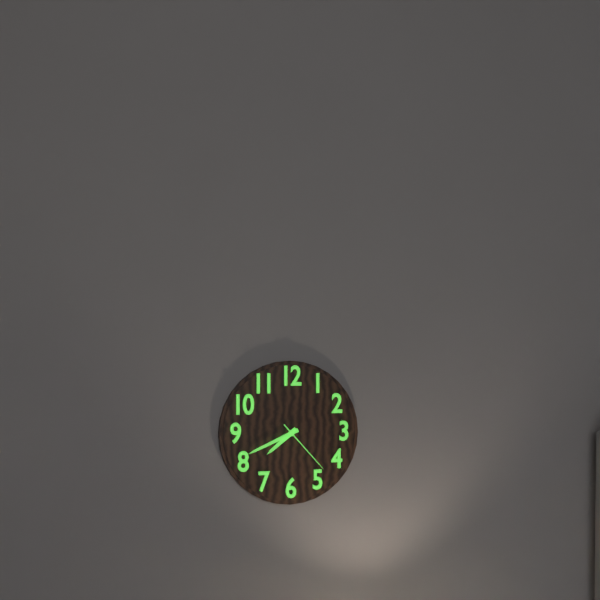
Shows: h=7 m=41 s=23
